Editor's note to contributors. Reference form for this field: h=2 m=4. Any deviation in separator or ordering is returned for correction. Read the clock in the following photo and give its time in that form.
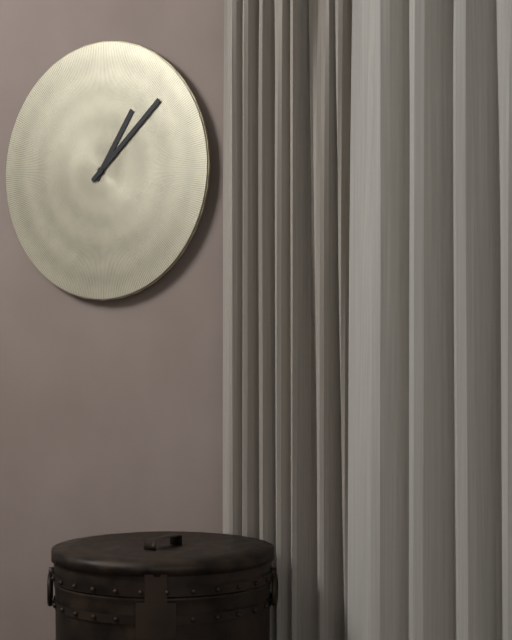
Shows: h=1 m=8
